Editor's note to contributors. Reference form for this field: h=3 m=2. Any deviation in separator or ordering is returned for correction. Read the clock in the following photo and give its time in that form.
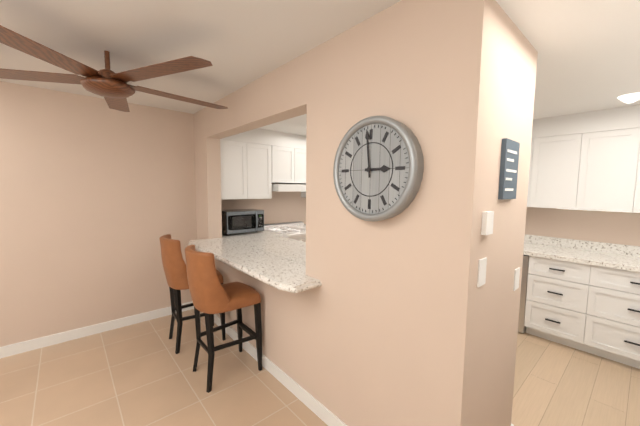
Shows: h=2 m=59
